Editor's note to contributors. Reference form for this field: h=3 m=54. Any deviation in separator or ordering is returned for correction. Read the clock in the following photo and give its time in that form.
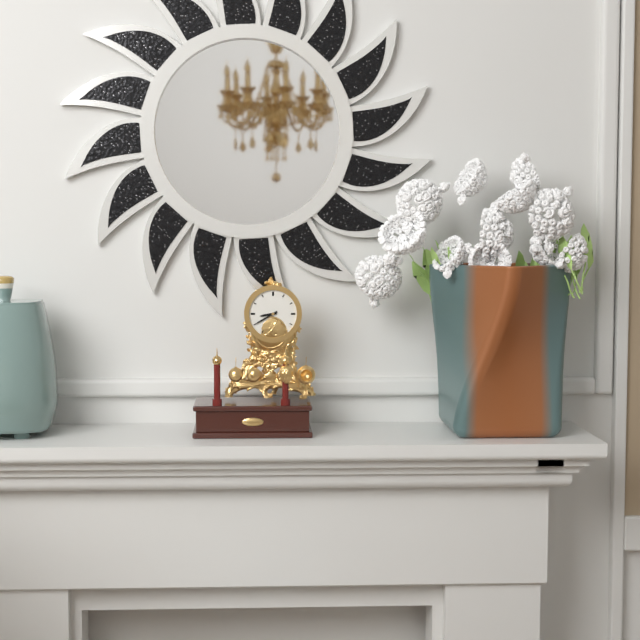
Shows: h=8 m=40
